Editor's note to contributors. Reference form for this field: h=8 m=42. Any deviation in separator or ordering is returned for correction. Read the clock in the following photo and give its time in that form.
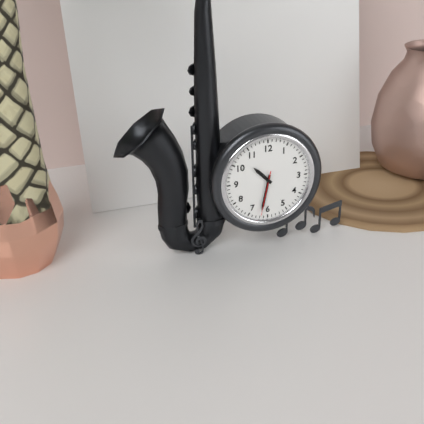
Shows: h=10 m=32
